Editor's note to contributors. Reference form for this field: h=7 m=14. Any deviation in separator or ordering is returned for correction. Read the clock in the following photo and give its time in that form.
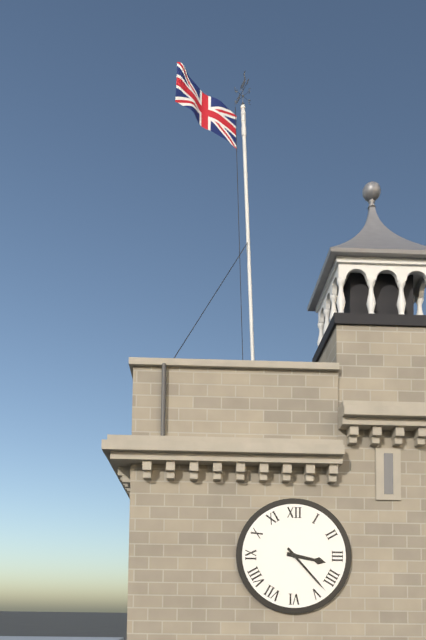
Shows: h=3 m=23
